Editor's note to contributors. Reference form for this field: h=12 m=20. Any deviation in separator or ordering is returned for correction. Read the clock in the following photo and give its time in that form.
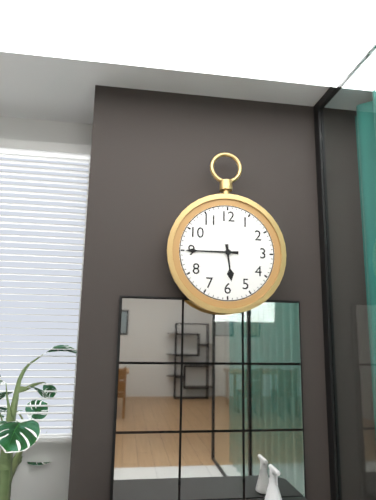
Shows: h=5 m=45
